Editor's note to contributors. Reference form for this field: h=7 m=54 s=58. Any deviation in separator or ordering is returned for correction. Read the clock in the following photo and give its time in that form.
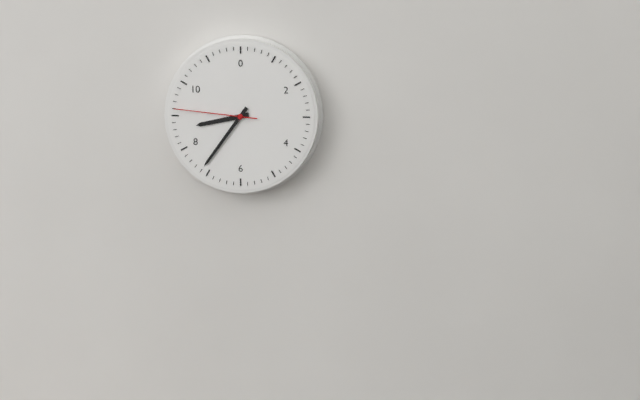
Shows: h=8 m=36 s=46
